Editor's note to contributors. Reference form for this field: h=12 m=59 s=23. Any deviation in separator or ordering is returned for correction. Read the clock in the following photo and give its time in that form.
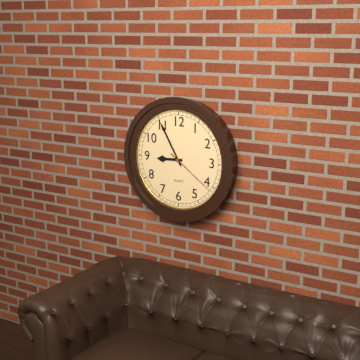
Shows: h=8 m=55 s=21
